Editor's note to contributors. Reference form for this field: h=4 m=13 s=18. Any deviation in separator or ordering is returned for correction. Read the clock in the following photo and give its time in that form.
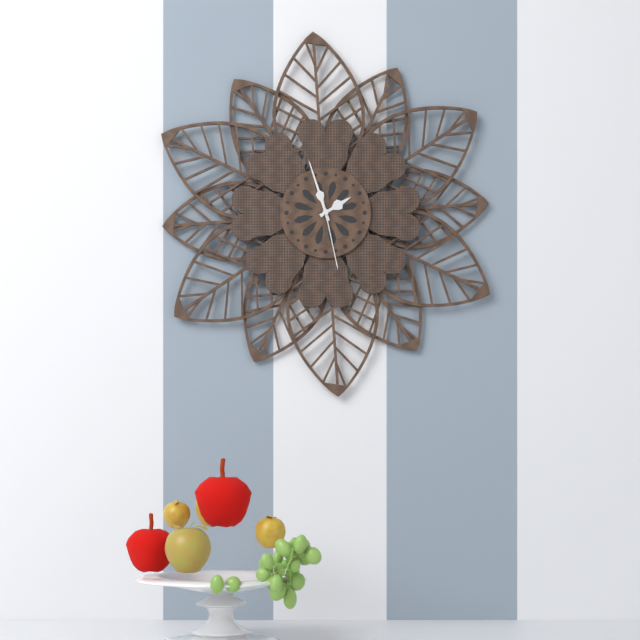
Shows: h=1 m=57 s=28
